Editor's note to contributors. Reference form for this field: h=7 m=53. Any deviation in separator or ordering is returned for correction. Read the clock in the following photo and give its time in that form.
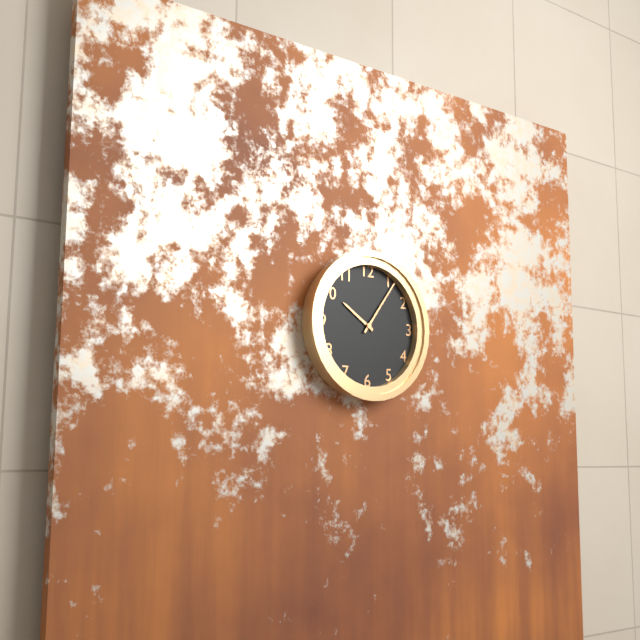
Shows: h=10 m=6
